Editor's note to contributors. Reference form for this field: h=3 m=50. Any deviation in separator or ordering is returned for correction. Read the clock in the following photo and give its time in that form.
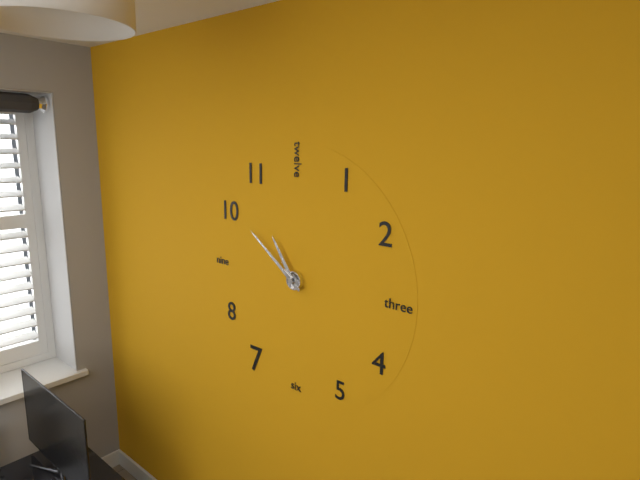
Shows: h=10 m=51
